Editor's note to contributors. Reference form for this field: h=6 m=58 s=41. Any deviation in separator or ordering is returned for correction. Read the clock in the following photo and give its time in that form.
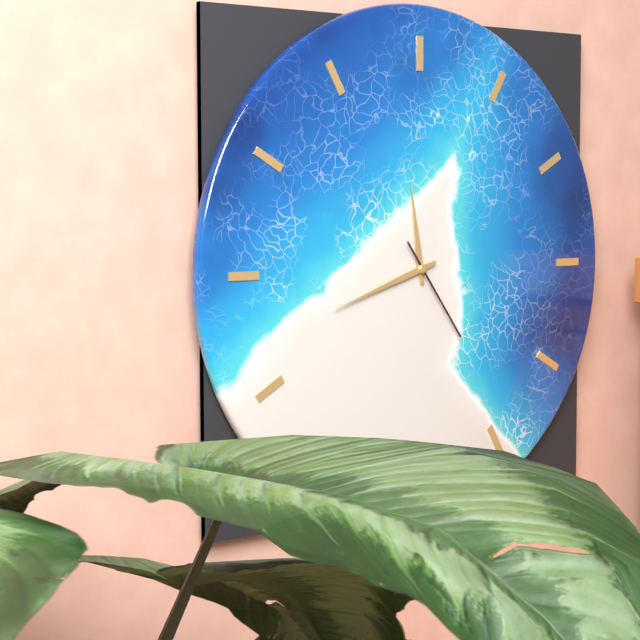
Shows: h=11 m=42 s=24
